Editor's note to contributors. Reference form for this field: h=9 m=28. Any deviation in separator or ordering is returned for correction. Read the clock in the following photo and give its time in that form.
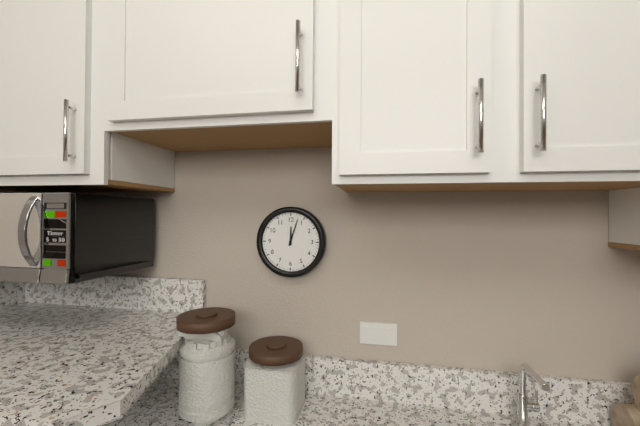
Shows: h=12 m=3
